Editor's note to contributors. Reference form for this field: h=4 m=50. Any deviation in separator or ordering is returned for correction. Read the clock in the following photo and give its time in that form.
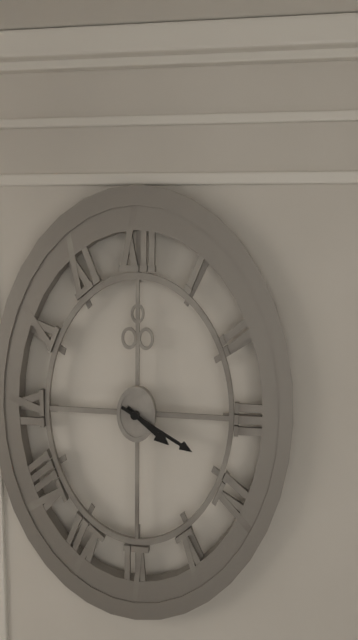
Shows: h=4 m=20
